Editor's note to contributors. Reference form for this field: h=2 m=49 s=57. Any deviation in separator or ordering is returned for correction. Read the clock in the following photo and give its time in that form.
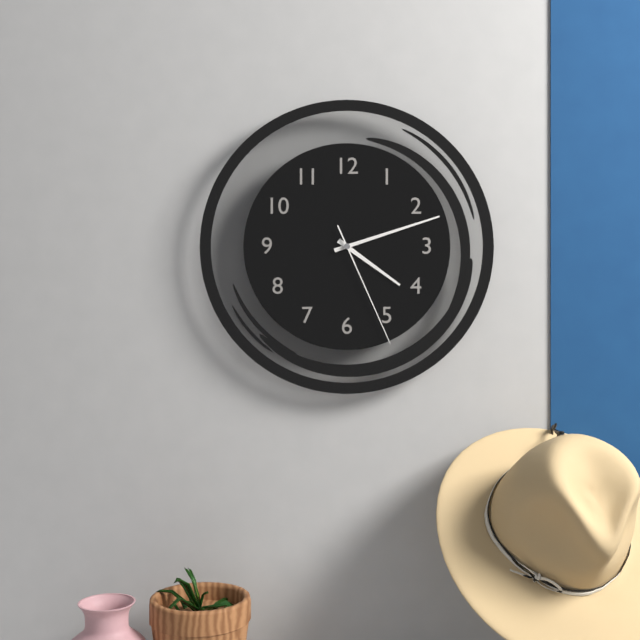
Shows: h=4 m=12 s=26
